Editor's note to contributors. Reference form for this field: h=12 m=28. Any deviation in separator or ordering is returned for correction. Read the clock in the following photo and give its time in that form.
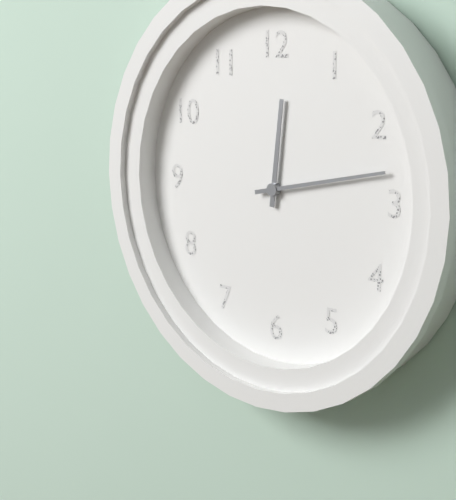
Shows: h=12 m=13
